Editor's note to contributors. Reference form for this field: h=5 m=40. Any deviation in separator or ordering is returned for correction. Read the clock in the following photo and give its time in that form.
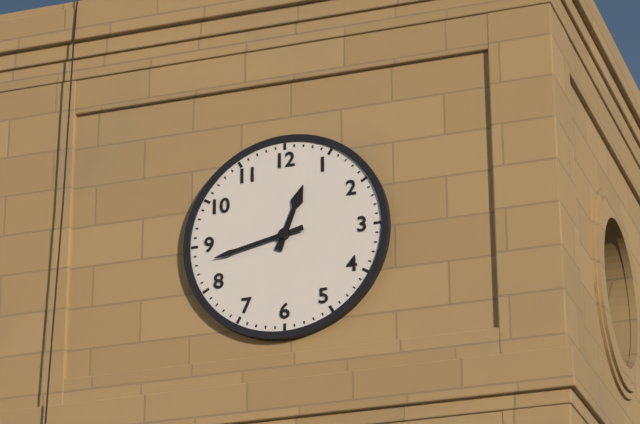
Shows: h=12 m=43
